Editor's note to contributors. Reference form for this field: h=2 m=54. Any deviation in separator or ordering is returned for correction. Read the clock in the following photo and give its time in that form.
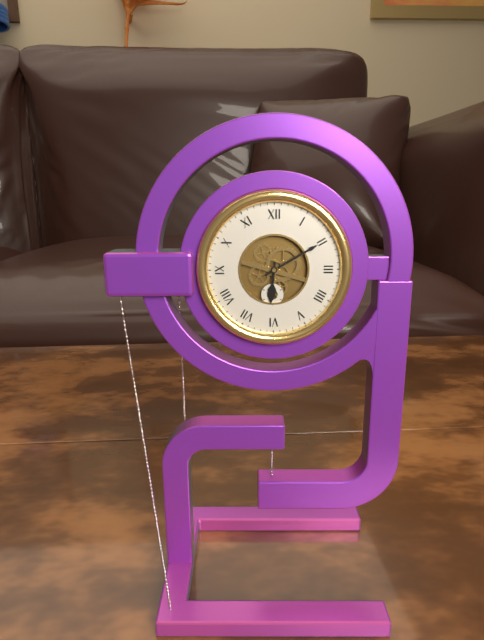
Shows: h=6 m=10
